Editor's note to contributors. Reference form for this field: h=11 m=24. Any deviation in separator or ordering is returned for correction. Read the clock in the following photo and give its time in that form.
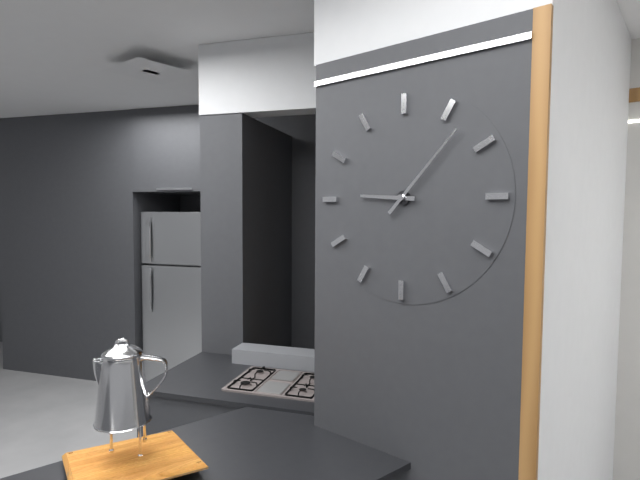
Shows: h=9 m=7
